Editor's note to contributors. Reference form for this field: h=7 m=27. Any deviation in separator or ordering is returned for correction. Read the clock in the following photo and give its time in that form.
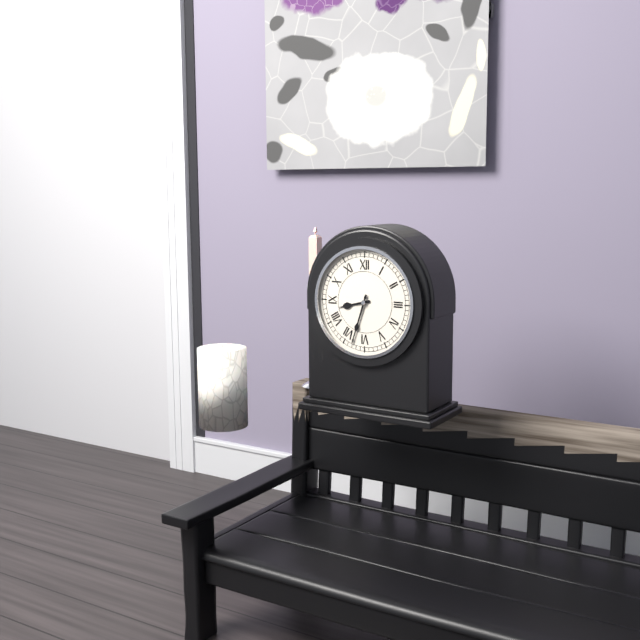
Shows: h=8 m=33
